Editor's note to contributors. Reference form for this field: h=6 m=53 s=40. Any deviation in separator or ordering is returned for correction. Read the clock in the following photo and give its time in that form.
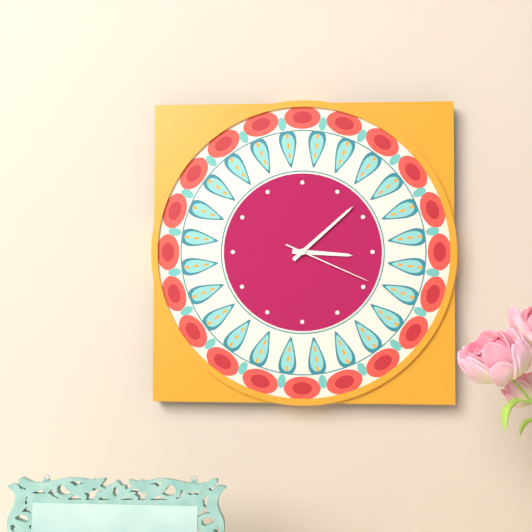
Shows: h=3 m=8 s=19
